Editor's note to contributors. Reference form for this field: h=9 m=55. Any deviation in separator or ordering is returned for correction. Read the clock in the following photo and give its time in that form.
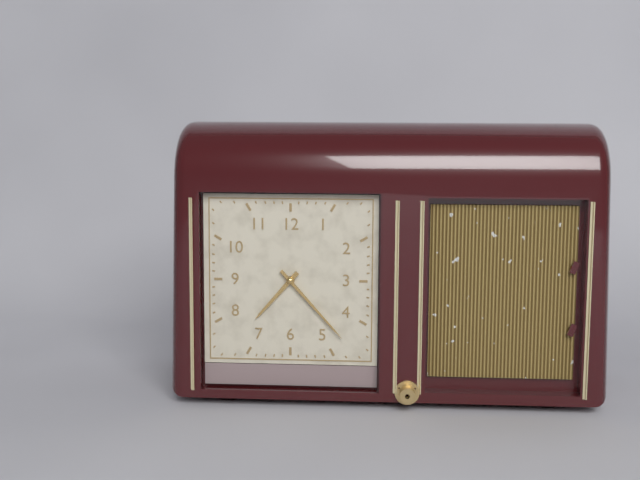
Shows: h=7 m=23
